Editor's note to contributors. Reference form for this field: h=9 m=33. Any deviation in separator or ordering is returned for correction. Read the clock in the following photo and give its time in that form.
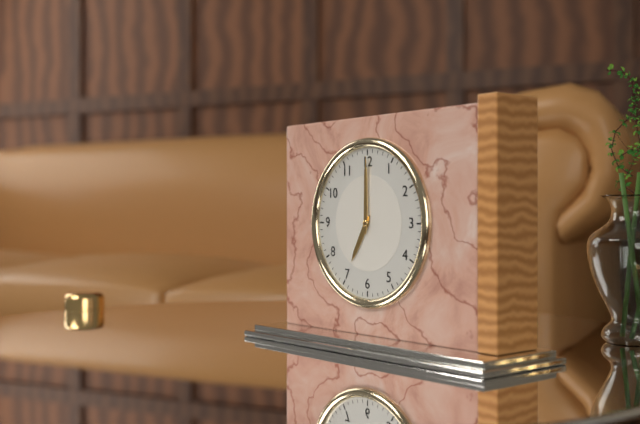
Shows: h=7 m=0
